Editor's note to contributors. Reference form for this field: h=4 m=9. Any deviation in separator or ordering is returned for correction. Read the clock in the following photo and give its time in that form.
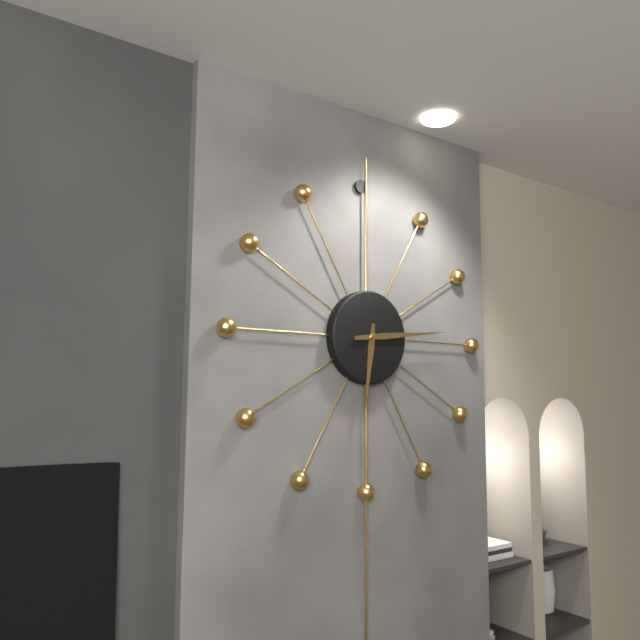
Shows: h=6 m=14
